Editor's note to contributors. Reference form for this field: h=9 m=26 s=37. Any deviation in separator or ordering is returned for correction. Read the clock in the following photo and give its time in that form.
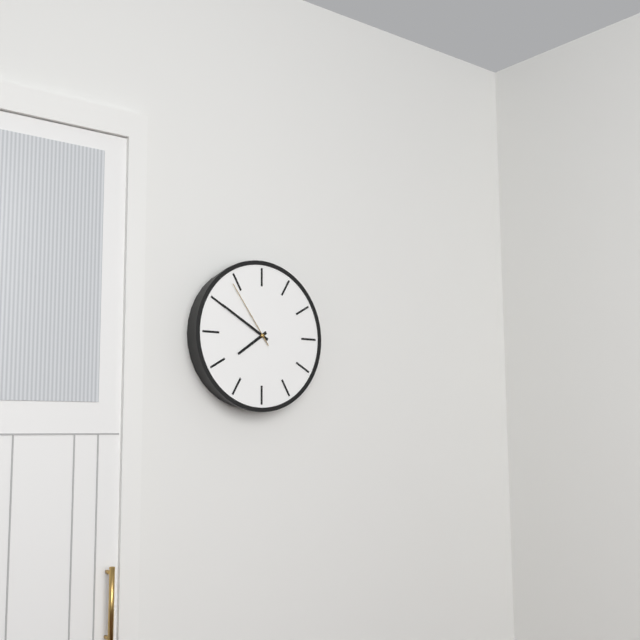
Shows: h=7 m=50 s=54
